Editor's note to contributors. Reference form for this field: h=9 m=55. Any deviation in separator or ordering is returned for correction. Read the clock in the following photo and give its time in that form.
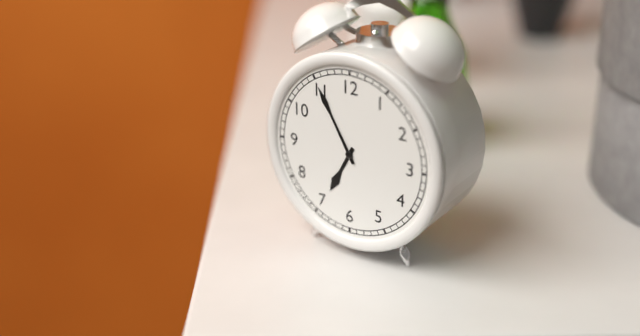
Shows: h=6 m=55
